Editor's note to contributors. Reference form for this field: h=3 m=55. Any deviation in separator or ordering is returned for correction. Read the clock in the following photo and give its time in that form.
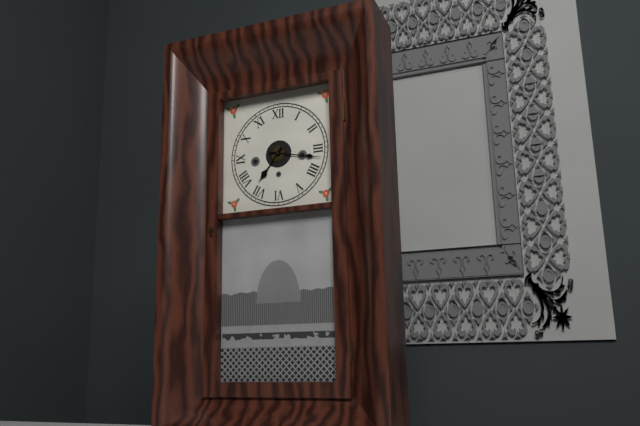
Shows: h=7 m=17
